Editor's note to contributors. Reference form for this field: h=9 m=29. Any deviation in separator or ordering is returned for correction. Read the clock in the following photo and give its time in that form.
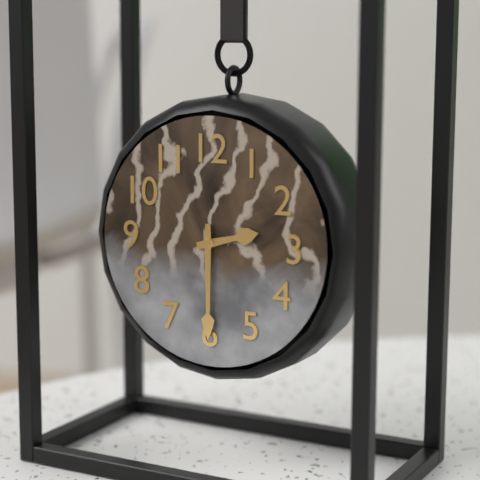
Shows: h=2 m=30
